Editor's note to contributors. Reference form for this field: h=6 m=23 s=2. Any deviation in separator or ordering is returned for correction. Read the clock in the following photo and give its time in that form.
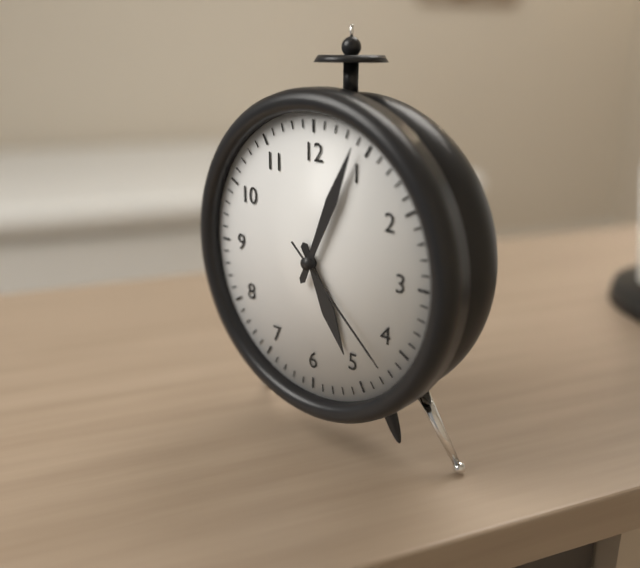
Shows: h=5 m=4 s=22
